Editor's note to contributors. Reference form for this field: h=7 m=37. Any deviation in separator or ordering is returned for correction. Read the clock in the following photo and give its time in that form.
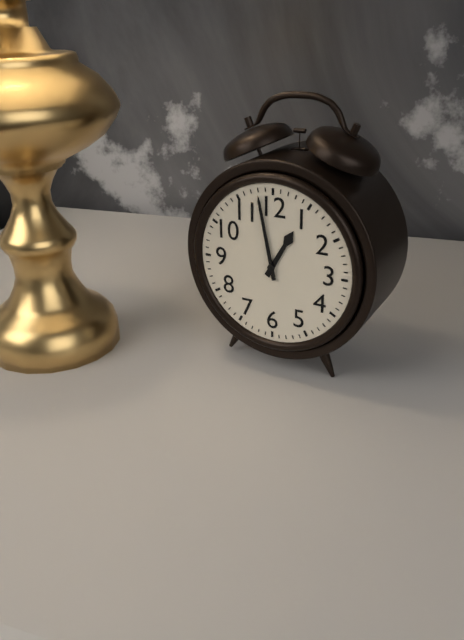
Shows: h=12 m=58
